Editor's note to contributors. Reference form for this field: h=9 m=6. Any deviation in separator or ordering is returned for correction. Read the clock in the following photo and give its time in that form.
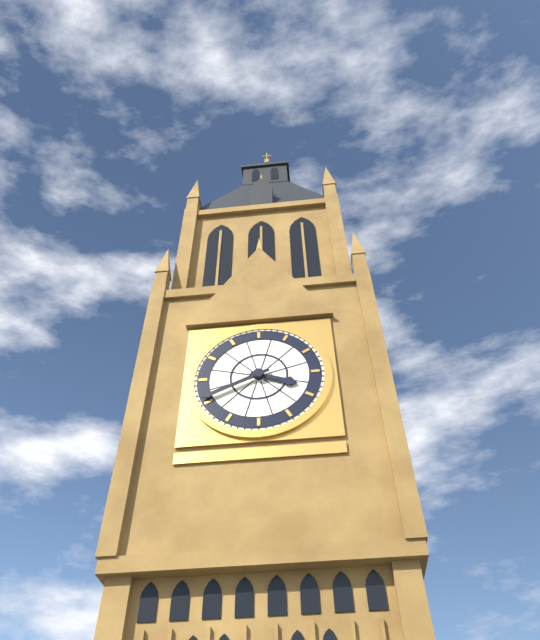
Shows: h=3 m=41
